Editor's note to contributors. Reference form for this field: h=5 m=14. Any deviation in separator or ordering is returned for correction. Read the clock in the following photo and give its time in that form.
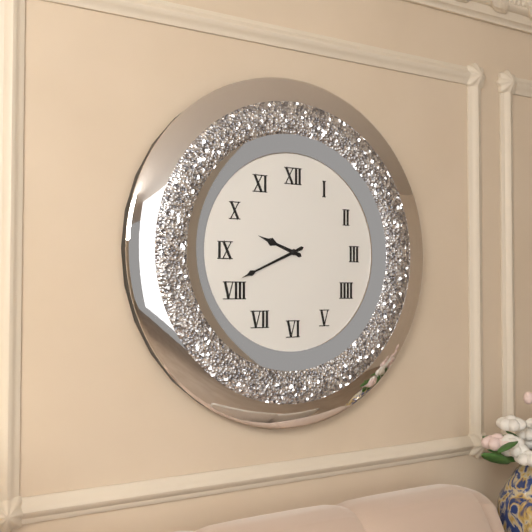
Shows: h=9 m=41
